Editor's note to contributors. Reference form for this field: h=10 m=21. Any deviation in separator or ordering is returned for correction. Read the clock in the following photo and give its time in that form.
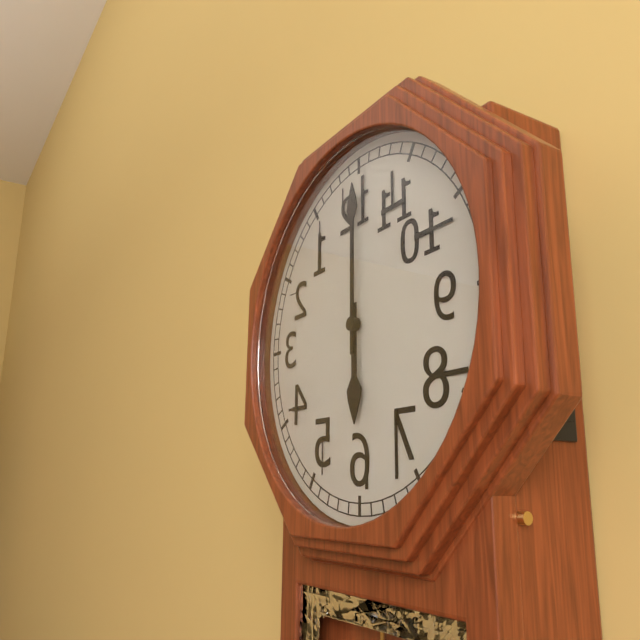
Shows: h=6 m=0
